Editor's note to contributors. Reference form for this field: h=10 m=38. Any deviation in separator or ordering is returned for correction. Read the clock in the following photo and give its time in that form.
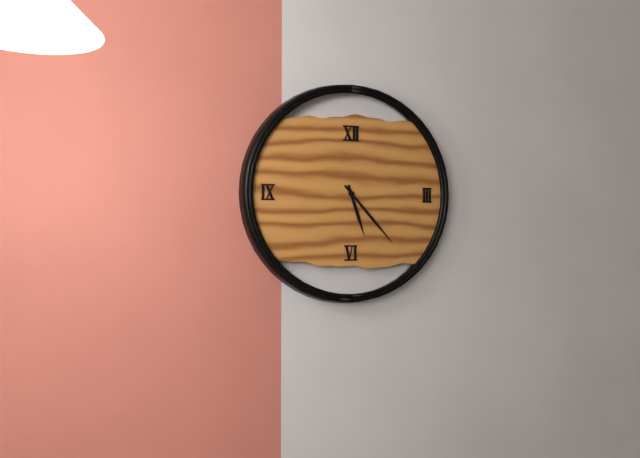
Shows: h=5 m=23
